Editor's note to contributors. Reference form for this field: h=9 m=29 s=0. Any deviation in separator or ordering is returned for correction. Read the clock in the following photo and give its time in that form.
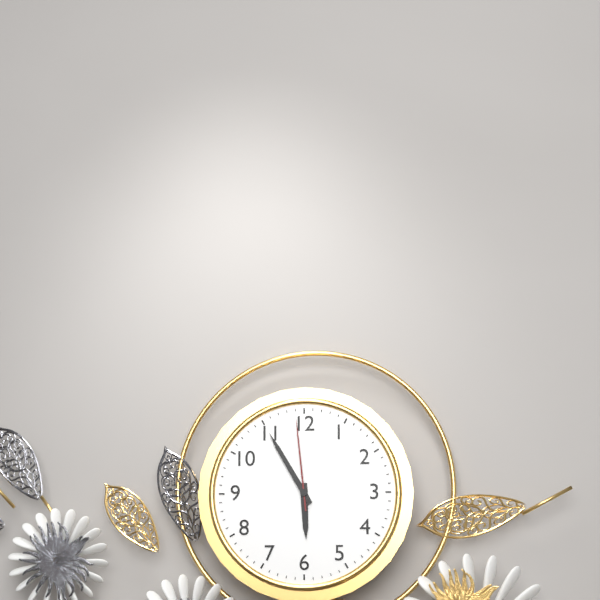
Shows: h=5 m=55 s=59
